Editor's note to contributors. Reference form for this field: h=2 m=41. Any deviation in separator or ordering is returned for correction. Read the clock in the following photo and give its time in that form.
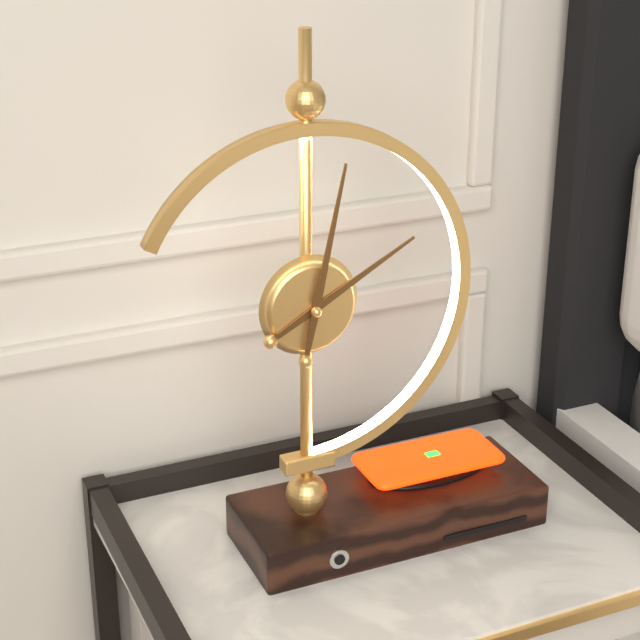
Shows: h=2 m=2
